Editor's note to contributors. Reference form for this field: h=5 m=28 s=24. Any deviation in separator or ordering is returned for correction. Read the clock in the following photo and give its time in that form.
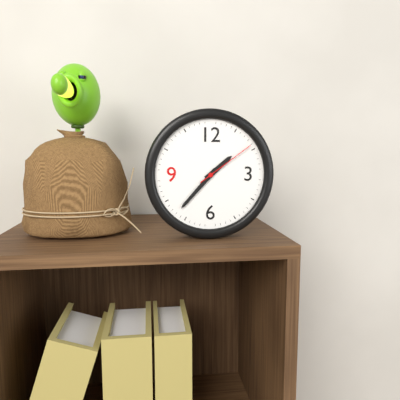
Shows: h=1 m=37 s=9
